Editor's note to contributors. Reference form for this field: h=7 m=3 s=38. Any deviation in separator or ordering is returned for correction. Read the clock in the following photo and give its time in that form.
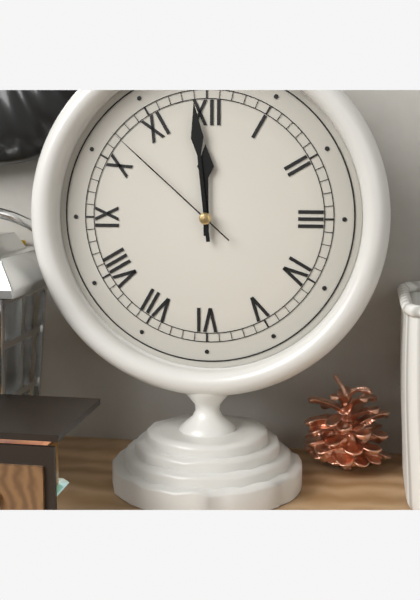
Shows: h=11 m=59 s=52
